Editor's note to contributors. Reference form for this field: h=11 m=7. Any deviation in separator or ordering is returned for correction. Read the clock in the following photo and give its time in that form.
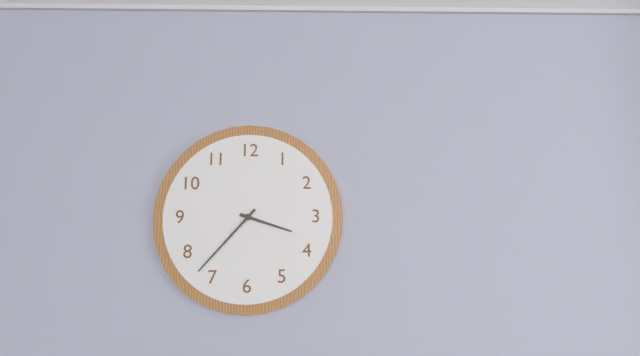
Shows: h=3 m=37
